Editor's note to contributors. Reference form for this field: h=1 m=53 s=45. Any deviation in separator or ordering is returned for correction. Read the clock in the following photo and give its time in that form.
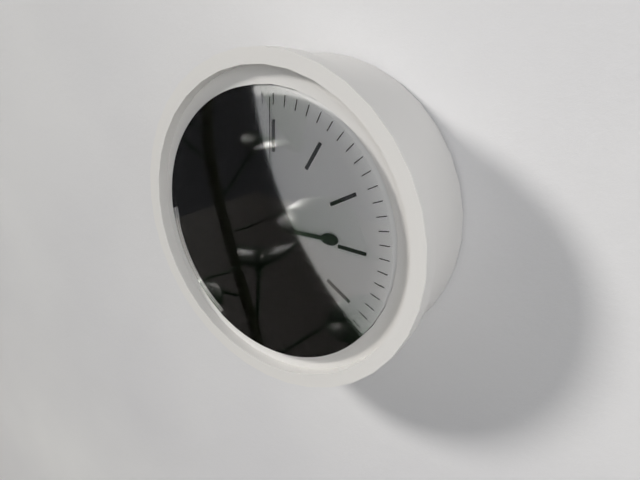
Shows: h=2 m=51 s=0
